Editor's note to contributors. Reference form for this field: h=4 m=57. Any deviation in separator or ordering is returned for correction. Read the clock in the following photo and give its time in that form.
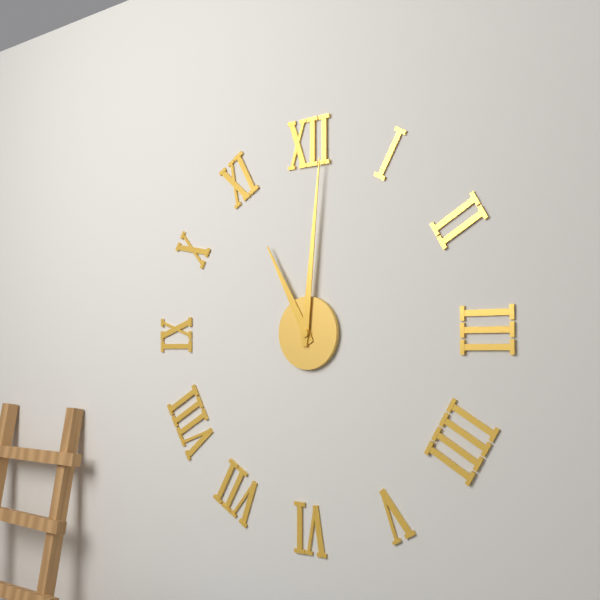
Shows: h=11 m=1
